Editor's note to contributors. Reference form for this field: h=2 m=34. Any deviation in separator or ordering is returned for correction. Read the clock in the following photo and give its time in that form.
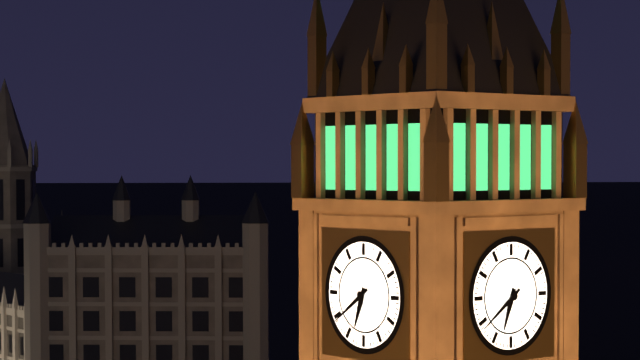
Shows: h=6 m=39
